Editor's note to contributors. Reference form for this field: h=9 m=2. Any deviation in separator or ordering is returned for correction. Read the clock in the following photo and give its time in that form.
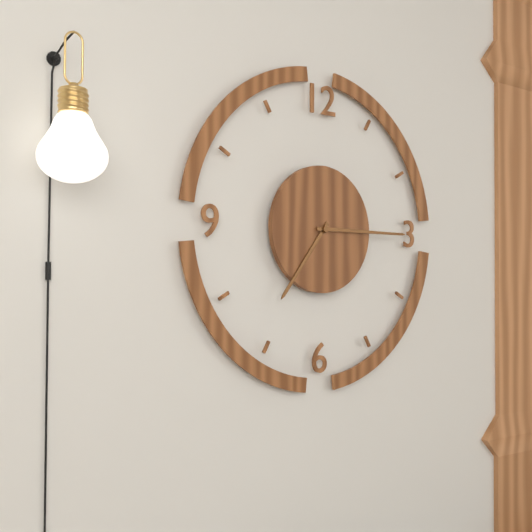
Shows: h=7 m=15
